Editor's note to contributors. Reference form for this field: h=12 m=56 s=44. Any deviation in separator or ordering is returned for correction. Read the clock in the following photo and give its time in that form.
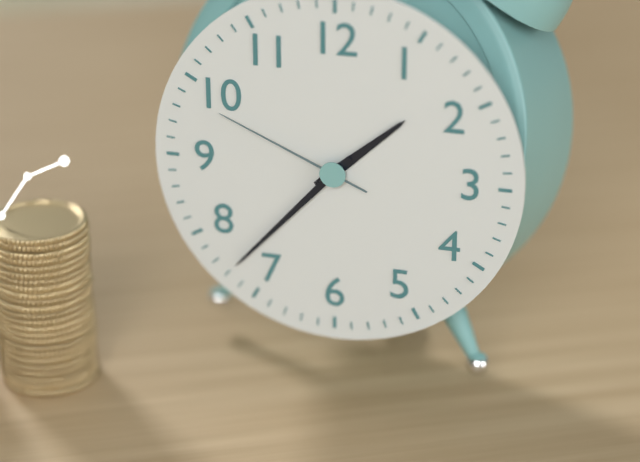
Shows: h=1 m=37 s=49
